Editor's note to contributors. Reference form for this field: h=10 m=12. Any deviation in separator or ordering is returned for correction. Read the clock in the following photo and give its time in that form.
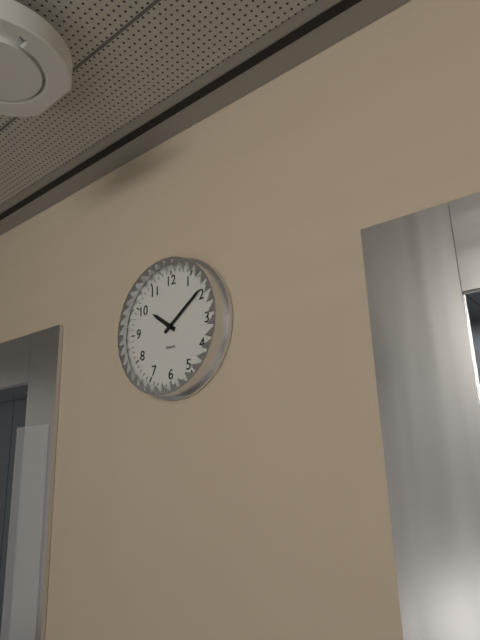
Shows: h=10 m=9
